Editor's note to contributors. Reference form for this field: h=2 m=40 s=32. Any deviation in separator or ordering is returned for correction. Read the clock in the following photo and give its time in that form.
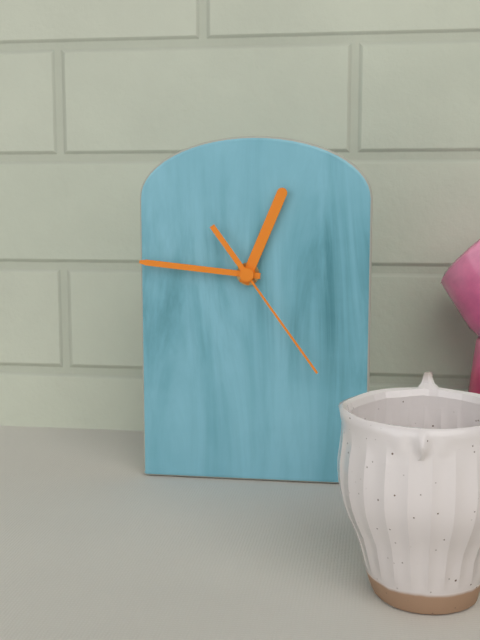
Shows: h=12 m=46 s=24
